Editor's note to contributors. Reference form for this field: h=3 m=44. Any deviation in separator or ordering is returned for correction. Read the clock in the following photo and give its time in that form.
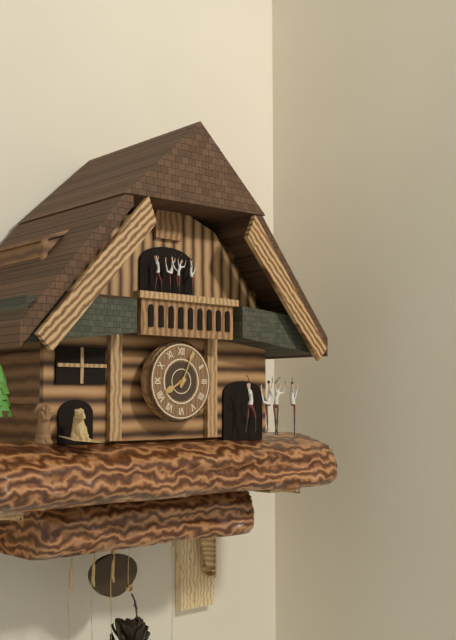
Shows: h=8 m=4
